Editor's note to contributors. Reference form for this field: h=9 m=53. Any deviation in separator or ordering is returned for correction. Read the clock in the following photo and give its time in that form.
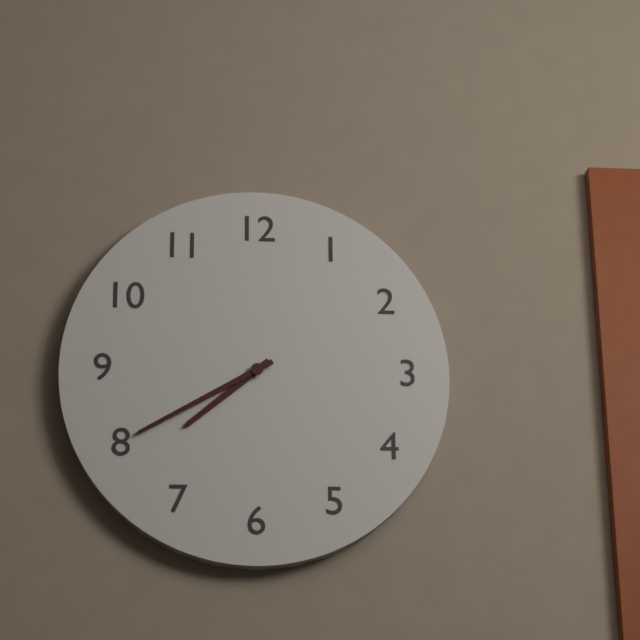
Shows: h=7 m=40
